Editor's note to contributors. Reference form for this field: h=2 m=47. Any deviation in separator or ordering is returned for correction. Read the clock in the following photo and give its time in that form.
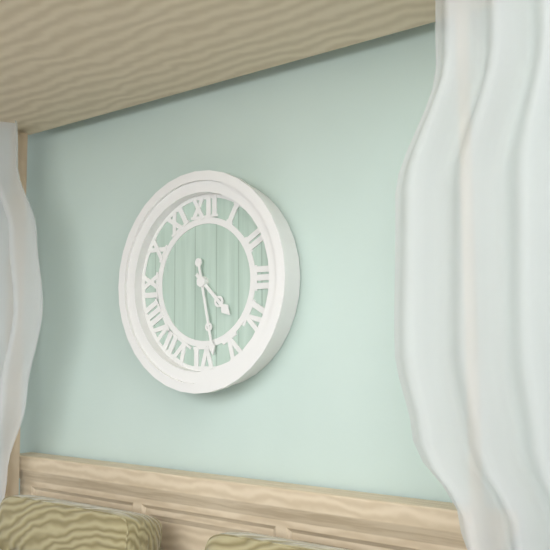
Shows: h=4 m=28
